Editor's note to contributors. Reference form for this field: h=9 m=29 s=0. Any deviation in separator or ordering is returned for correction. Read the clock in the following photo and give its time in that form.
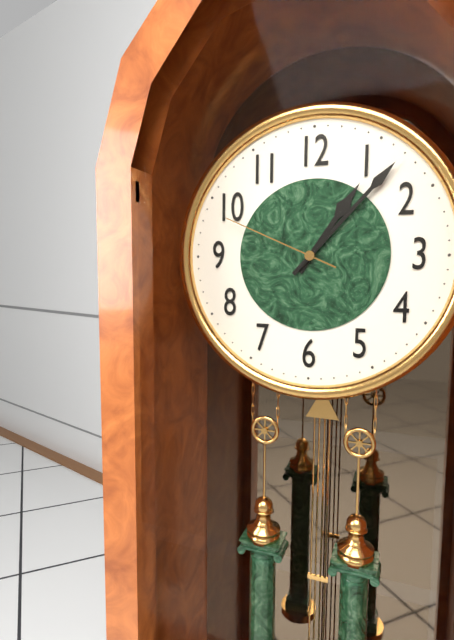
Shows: h=1 m=7 s=49
